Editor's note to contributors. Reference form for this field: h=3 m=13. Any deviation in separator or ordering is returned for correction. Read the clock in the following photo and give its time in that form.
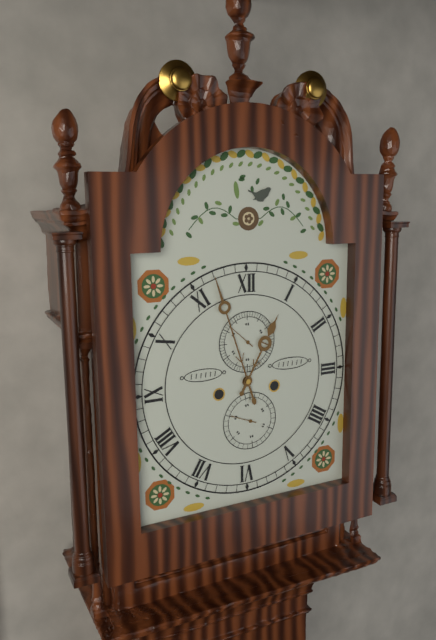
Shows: h=12 m=57
